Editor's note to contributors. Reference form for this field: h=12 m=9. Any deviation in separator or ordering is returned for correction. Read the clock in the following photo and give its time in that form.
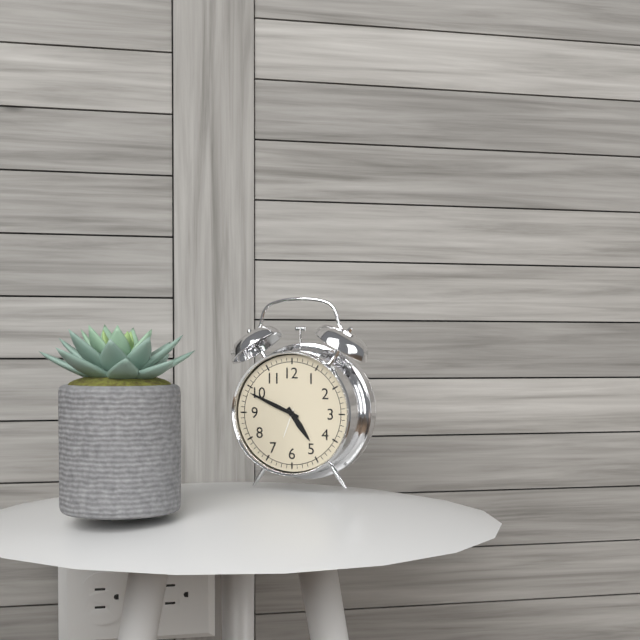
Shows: h=4 m=49
